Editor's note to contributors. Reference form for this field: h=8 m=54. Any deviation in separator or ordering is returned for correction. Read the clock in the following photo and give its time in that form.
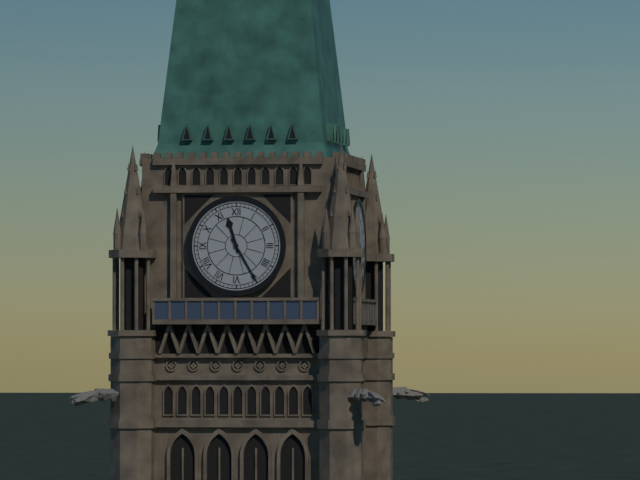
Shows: h=11 m=25
